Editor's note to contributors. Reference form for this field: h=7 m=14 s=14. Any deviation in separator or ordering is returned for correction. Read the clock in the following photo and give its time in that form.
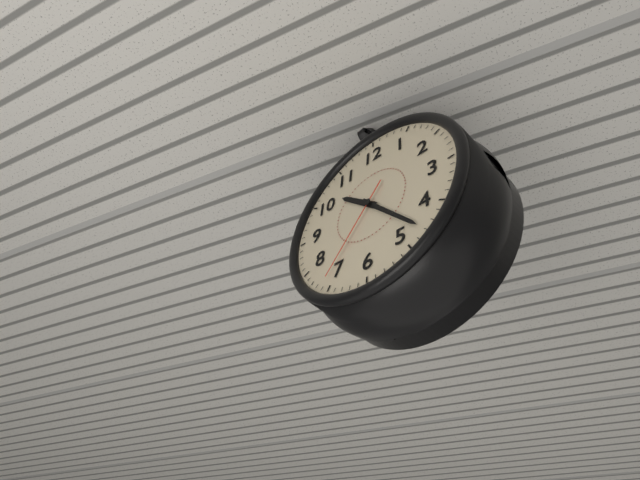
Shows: h=10 m=23 s=36
